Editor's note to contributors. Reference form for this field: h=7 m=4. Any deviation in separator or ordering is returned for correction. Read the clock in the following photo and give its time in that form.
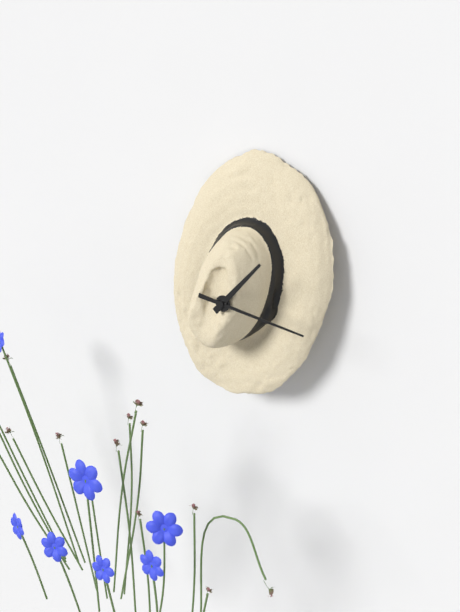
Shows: h=1 m=16
